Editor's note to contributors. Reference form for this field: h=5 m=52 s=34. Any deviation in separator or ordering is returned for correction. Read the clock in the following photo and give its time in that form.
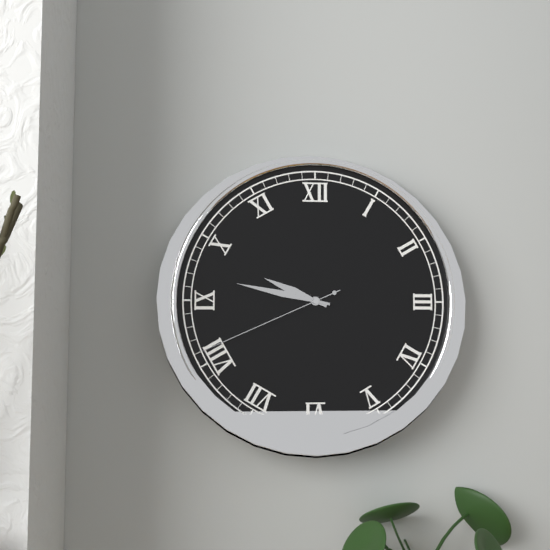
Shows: h=9 m=47 s=41
